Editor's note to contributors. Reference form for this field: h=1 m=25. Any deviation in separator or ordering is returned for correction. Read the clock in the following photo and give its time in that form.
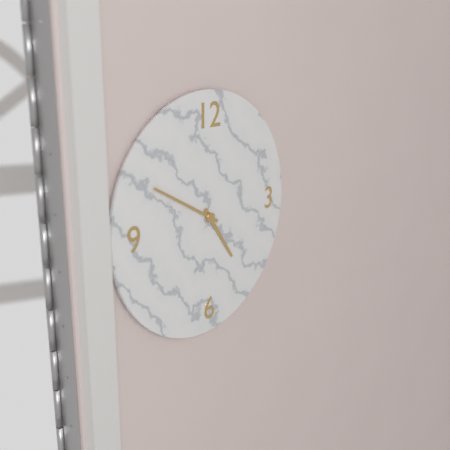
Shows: h=4 m=50
